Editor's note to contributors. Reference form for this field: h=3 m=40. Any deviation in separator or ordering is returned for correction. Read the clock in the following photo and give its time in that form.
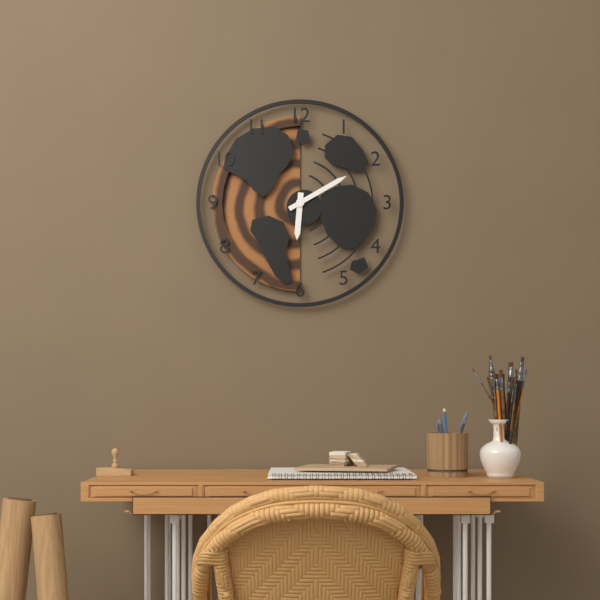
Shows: h=6 m=10
